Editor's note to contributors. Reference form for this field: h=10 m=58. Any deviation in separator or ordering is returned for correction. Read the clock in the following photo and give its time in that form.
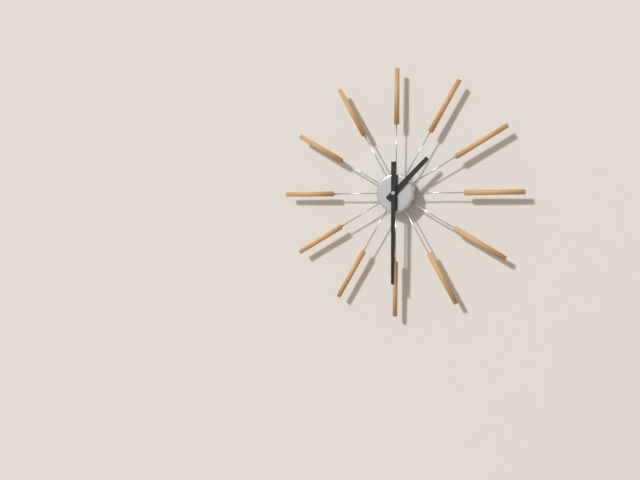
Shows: h=1 m=30
